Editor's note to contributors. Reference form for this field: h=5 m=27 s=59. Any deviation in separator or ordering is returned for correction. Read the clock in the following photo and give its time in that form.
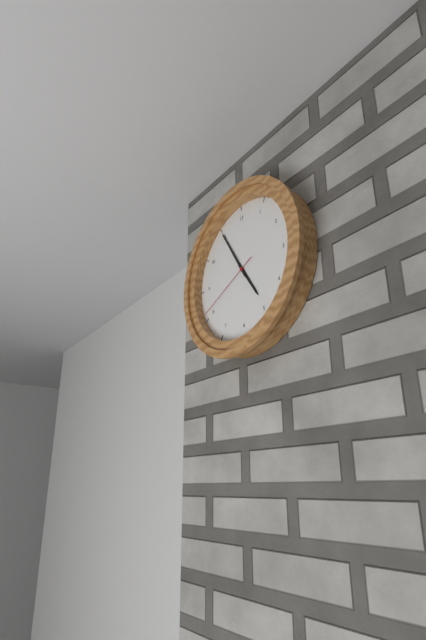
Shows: h=4 m=55 s=41
